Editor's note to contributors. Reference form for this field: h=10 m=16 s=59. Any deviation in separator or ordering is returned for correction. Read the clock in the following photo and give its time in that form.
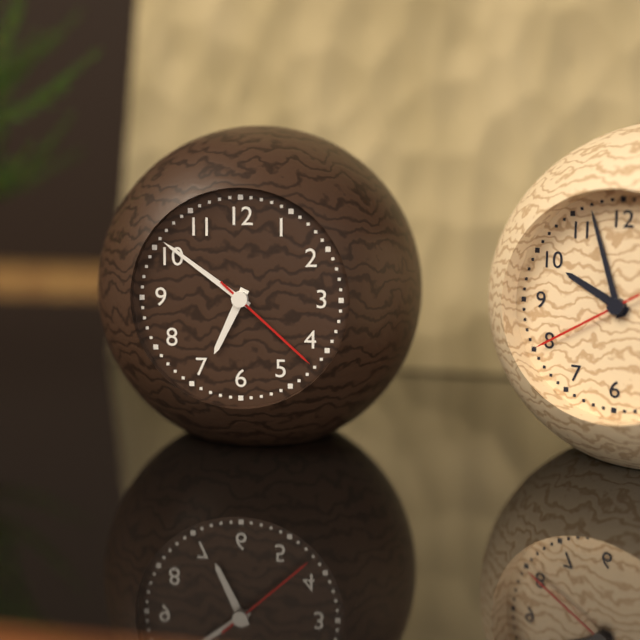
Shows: h=6 m=51 s=22
